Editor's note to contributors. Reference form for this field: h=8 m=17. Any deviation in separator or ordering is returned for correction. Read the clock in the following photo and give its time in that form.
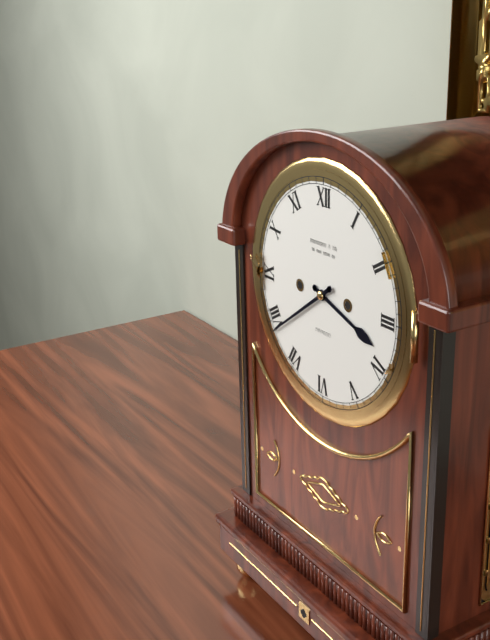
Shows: h=3 m=39
